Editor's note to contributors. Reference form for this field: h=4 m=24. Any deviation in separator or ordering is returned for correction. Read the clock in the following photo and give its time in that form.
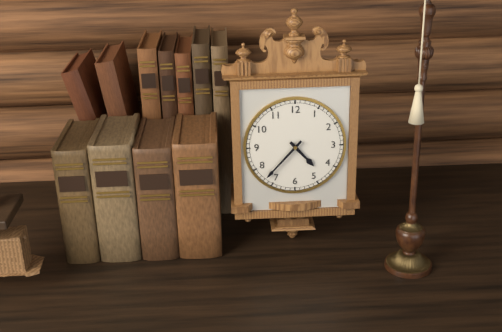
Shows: h=4 m=37
